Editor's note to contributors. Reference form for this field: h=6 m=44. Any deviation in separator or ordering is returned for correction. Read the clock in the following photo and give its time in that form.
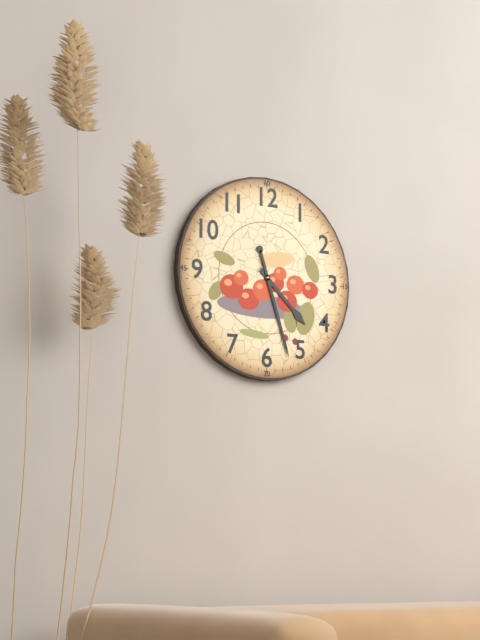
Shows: h=4 m=27
